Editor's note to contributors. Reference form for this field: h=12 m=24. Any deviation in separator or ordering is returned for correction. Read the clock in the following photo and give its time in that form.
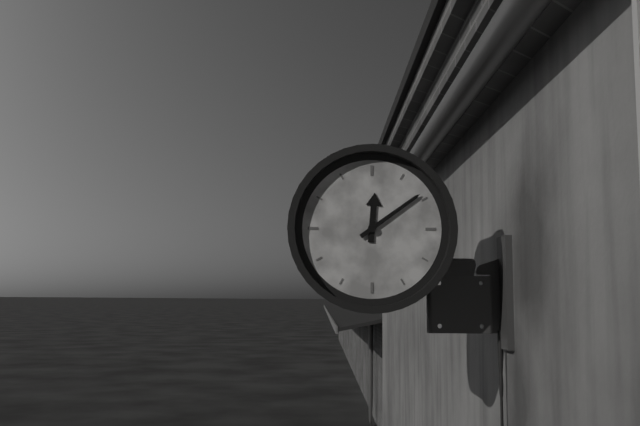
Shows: h=12 m=9
